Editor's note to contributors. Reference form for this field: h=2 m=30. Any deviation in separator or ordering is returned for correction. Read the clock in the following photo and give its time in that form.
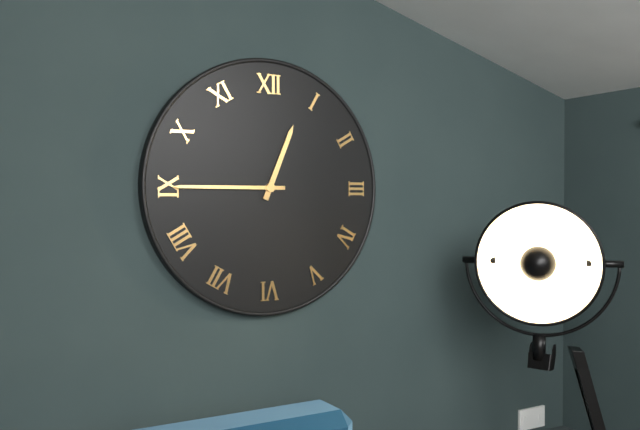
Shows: h=12 m=45
